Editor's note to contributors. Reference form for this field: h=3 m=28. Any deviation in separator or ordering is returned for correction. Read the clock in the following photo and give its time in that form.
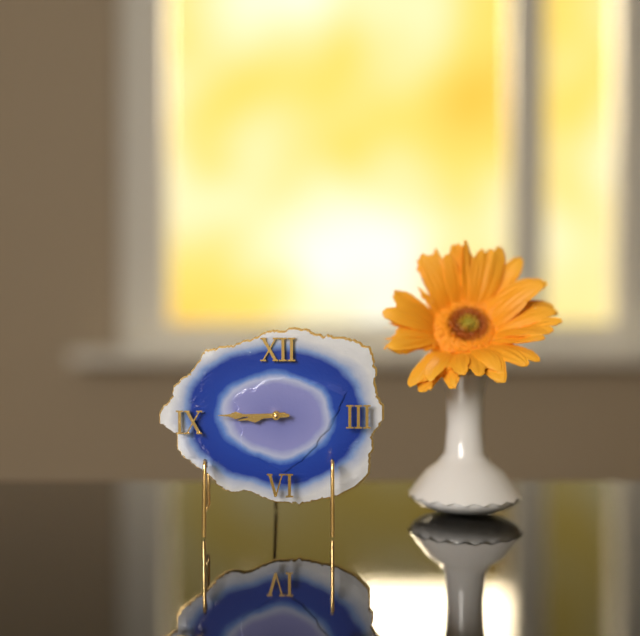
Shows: h=8 m=45
